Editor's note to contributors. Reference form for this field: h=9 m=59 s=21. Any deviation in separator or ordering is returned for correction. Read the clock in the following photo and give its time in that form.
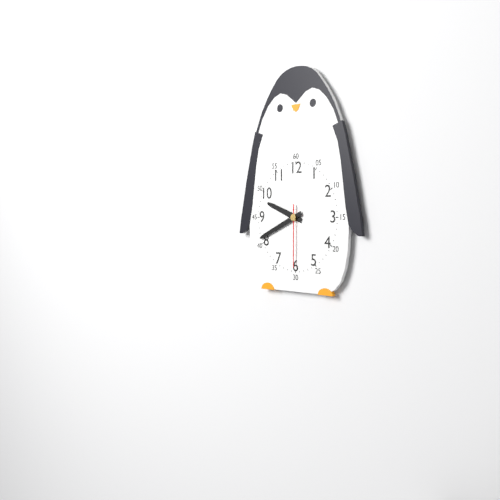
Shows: h=9 m=41 s=30
